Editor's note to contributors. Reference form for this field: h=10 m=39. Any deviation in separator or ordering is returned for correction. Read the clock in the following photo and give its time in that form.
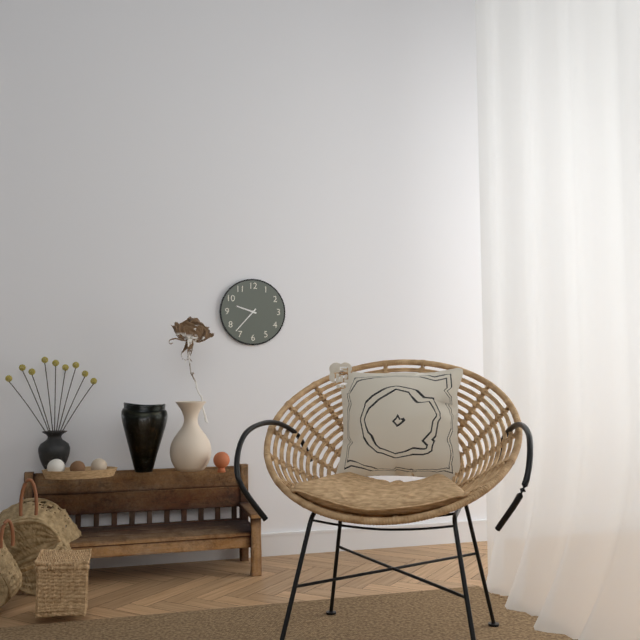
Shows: h=9 m=37
